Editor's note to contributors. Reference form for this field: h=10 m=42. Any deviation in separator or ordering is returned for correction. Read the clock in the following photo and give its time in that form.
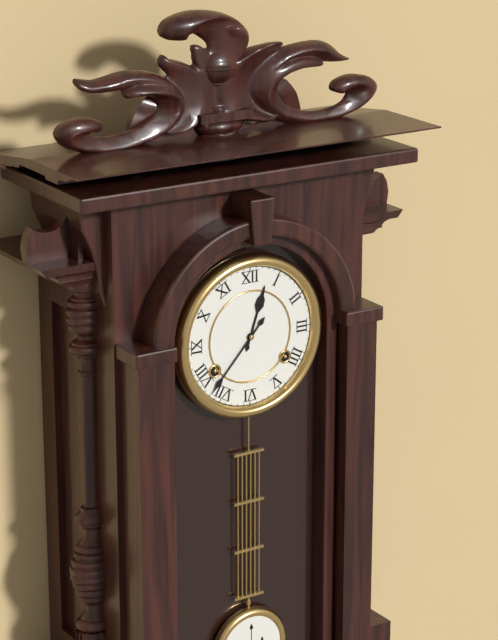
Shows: h=12 m=37
